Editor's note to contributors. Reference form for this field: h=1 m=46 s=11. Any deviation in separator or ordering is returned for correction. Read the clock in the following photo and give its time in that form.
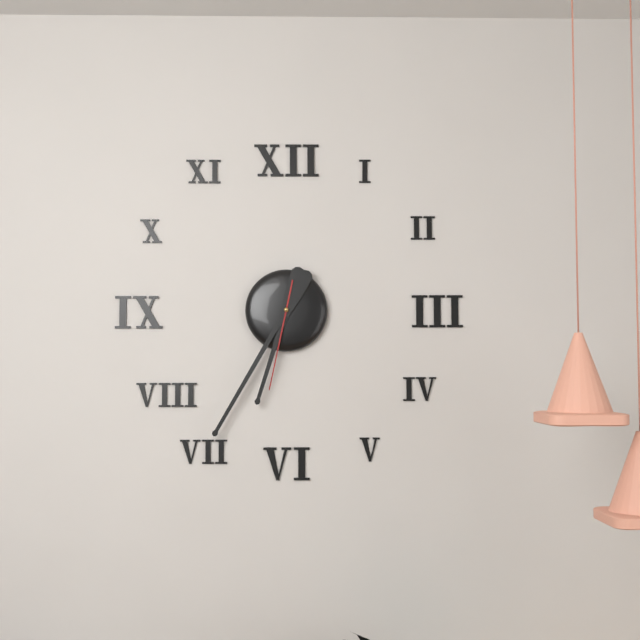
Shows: h=6 m=35 s=32
